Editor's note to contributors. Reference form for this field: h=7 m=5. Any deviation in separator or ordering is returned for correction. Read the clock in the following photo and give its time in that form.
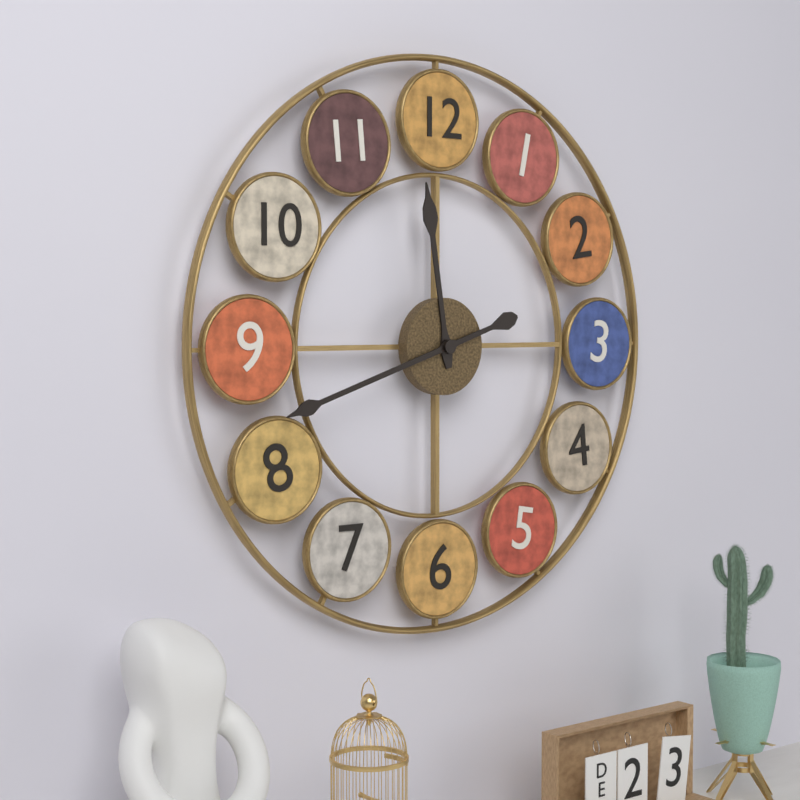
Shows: h=11 m=42
